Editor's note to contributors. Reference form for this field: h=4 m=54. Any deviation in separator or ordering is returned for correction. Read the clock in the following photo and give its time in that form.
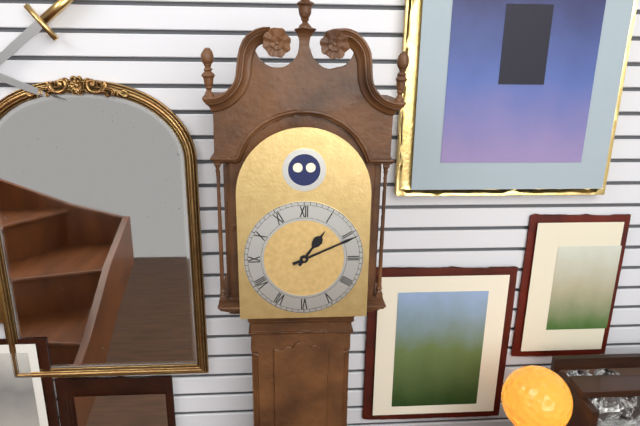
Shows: h=1 m=11
